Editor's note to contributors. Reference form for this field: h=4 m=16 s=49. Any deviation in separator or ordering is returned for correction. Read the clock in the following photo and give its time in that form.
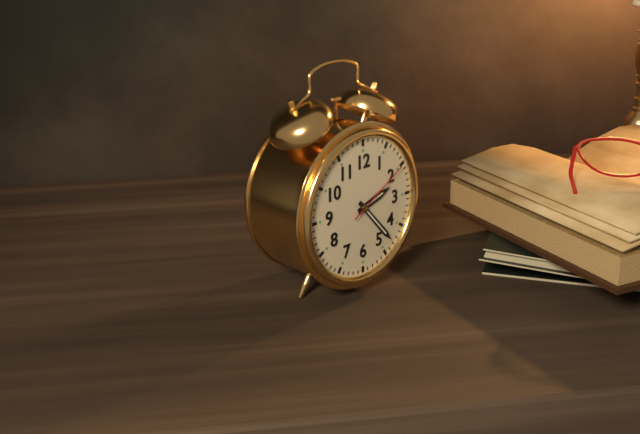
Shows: h=2 m=23 s=10
